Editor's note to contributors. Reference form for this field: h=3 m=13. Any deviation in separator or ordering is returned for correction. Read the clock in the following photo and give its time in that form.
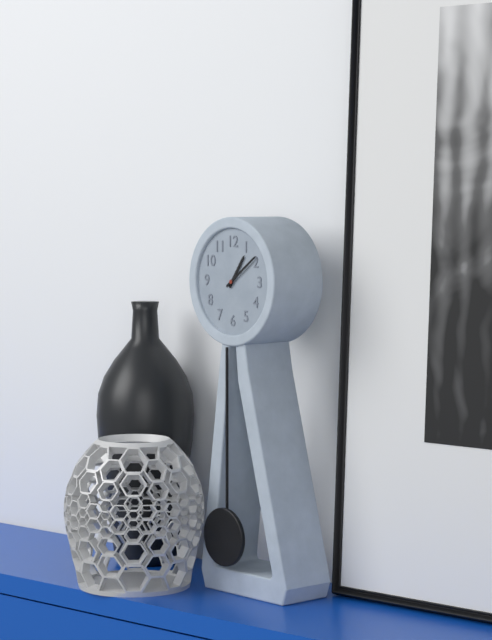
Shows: h=1 m=9
